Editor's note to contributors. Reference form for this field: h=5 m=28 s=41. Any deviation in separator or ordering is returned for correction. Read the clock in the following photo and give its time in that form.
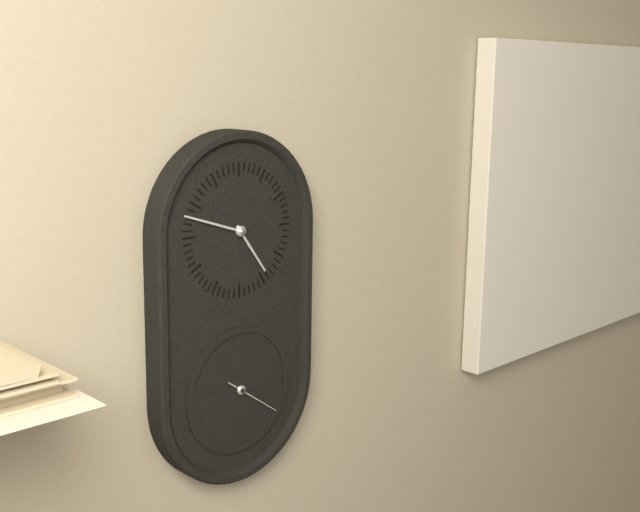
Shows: h=4 m=48 s=21
